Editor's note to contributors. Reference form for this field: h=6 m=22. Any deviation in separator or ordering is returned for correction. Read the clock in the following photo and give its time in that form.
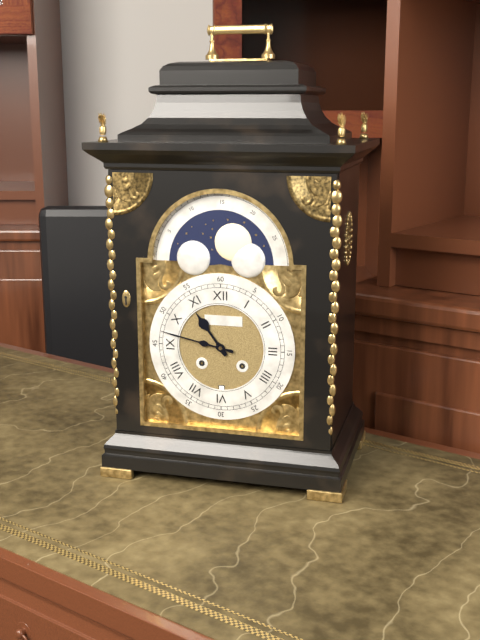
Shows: h=10 m=47
